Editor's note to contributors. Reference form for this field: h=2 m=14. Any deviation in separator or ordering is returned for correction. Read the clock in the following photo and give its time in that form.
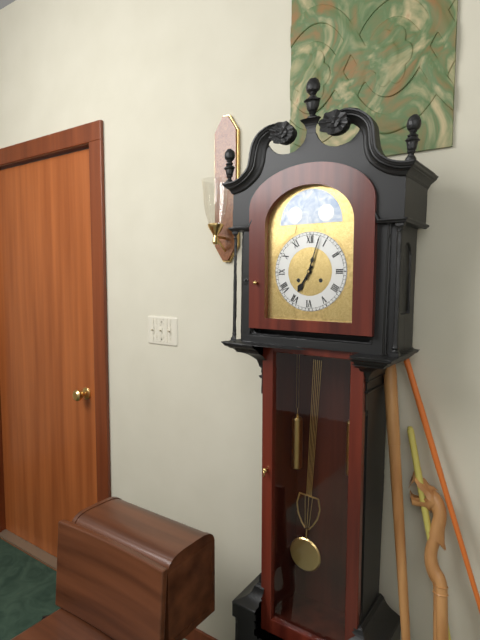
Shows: h=7 m=3
